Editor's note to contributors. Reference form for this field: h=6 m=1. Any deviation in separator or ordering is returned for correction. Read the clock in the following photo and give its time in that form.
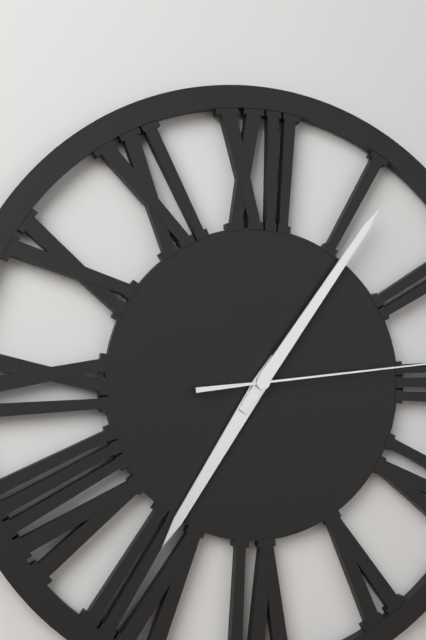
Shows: h=7 m=6
